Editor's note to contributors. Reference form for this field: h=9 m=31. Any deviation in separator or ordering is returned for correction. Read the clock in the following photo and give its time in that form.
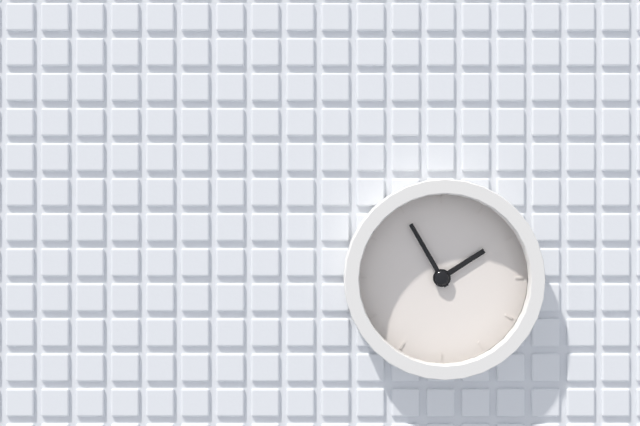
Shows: h=1 m=55
